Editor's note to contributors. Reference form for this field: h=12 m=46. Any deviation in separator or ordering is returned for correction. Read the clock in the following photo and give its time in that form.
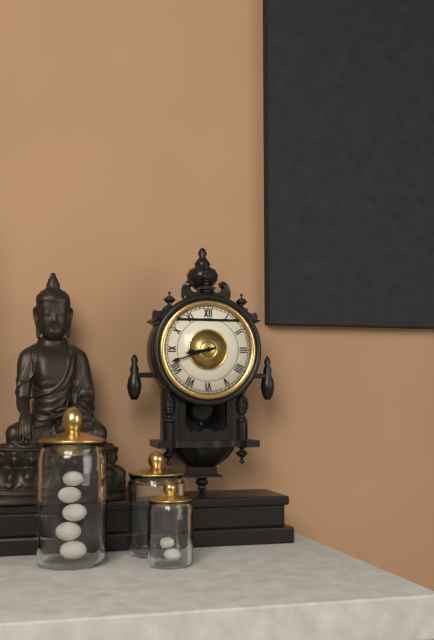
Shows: h=8 m=42
